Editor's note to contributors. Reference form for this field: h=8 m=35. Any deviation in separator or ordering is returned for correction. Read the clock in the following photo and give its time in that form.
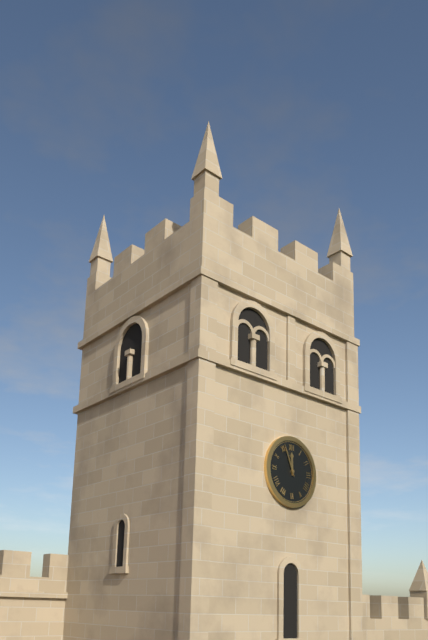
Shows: h=11 m=56
